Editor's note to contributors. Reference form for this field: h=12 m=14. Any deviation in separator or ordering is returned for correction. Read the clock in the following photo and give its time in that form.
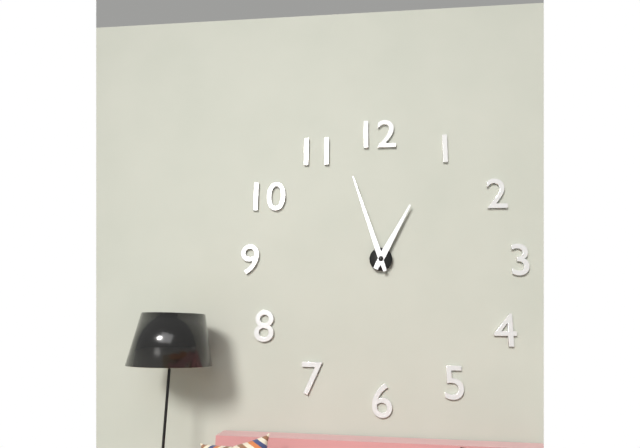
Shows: h=12 m=57
